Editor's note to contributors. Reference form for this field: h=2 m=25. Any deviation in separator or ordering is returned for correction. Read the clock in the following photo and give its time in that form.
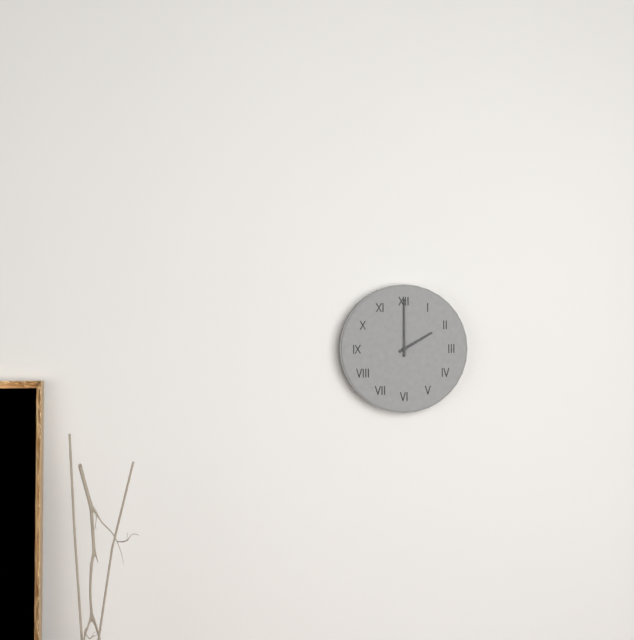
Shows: h=2 m=0
